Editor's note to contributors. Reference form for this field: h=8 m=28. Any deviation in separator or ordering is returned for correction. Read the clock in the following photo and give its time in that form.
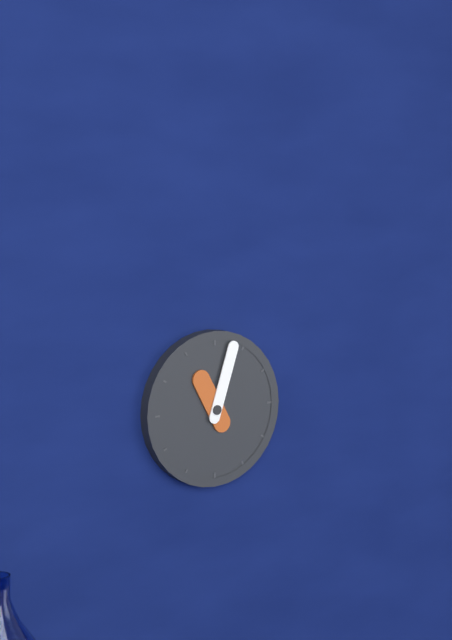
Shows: h=11 m=3
